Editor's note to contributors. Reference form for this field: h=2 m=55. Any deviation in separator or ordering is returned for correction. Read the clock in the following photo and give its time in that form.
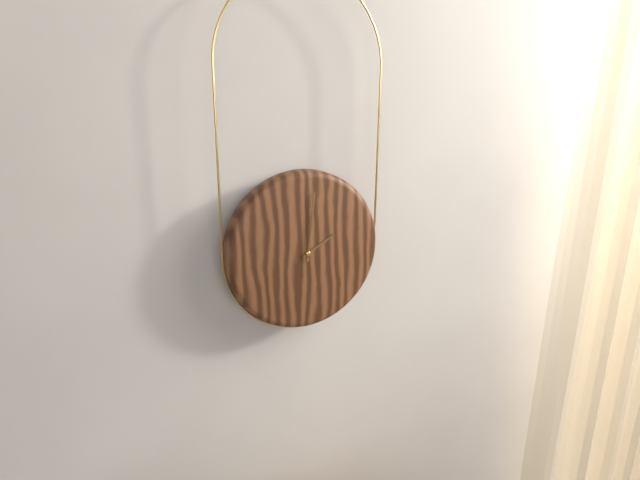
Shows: h=2 m=1
